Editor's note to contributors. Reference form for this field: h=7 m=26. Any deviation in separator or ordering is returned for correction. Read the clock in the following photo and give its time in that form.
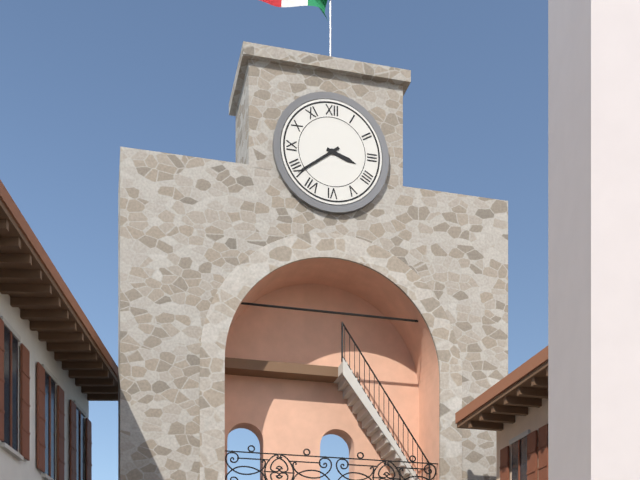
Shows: h=3 m=39
